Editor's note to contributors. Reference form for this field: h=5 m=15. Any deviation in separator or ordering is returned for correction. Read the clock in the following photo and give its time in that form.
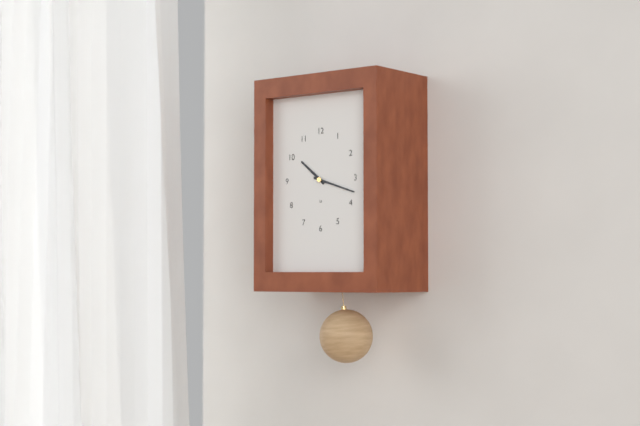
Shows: h=10 m=18
